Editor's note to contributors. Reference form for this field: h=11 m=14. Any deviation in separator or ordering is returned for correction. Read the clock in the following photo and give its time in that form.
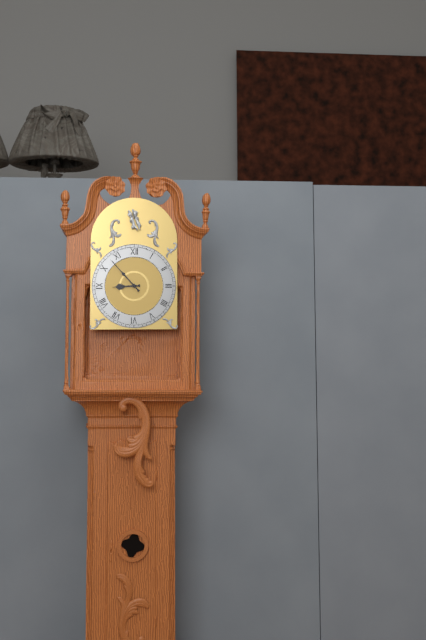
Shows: h=8 m=53
